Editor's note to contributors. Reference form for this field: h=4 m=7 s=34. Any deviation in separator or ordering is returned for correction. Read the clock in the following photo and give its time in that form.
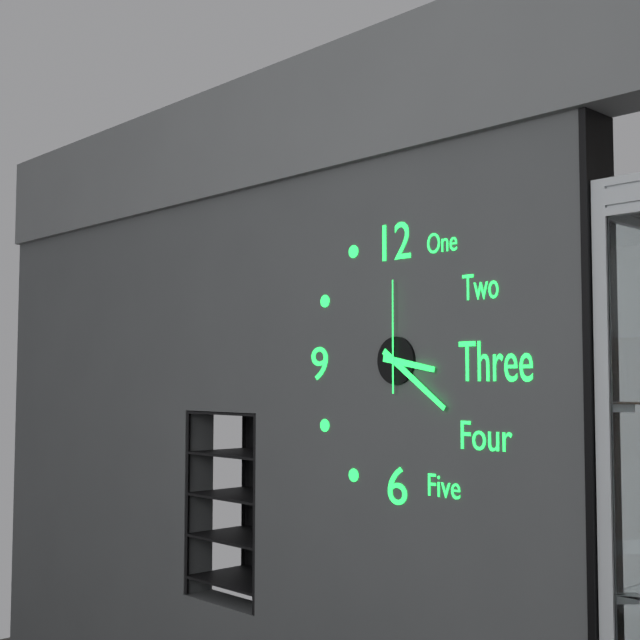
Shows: h=3 m=21 s=0
